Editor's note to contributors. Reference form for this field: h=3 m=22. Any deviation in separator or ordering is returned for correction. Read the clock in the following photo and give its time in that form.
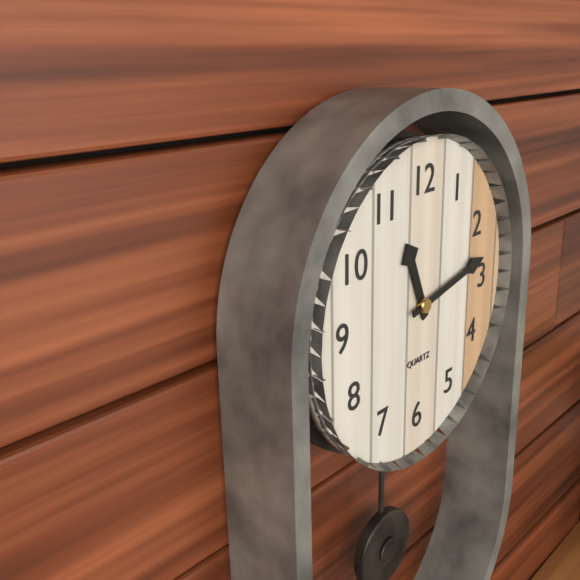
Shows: h=11 m=13
